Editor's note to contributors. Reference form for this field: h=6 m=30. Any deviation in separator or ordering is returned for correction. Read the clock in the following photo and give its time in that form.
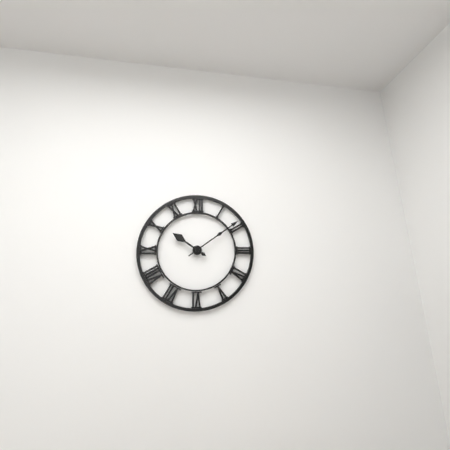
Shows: h=10 m=9
